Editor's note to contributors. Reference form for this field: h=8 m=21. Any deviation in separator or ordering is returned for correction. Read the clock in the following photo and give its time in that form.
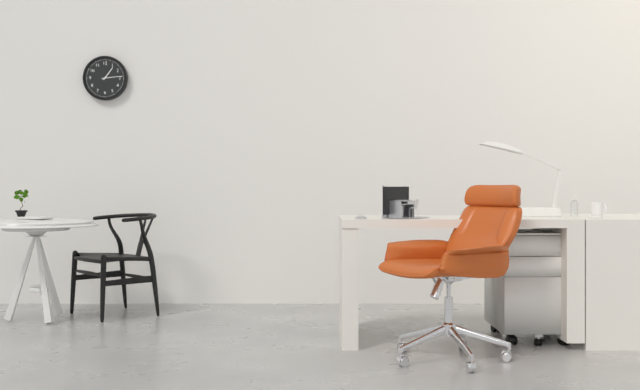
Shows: h=1 m=14
